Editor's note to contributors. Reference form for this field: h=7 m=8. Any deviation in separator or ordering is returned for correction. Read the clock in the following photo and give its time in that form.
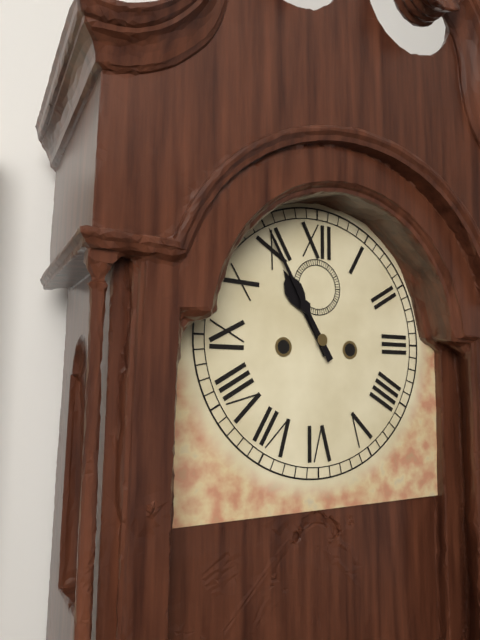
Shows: h=10 m=55
